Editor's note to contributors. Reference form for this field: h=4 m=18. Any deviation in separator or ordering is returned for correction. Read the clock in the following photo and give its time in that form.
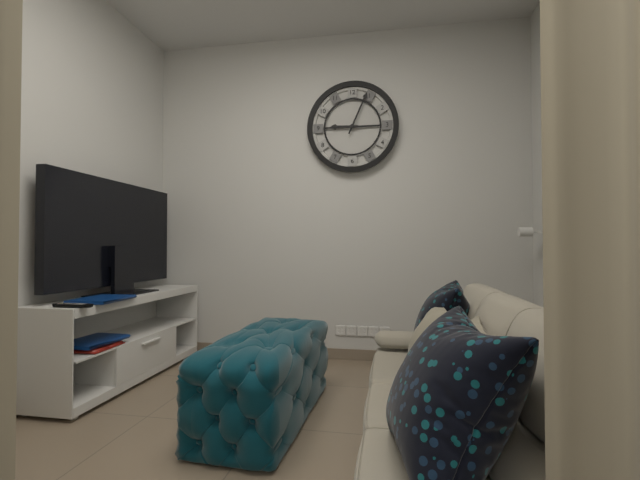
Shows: h=9 m=4
